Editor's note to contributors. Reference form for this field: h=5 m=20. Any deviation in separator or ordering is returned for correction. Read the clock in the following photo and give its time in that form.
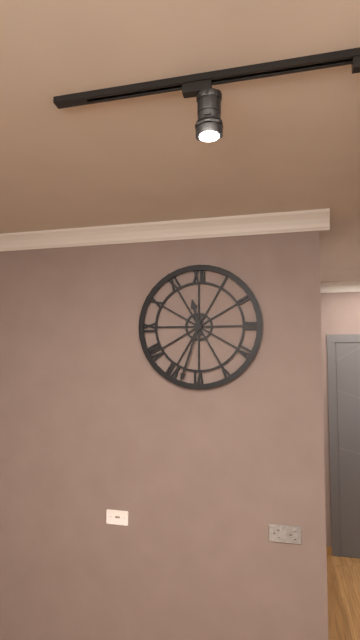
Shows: h=11 m=33
